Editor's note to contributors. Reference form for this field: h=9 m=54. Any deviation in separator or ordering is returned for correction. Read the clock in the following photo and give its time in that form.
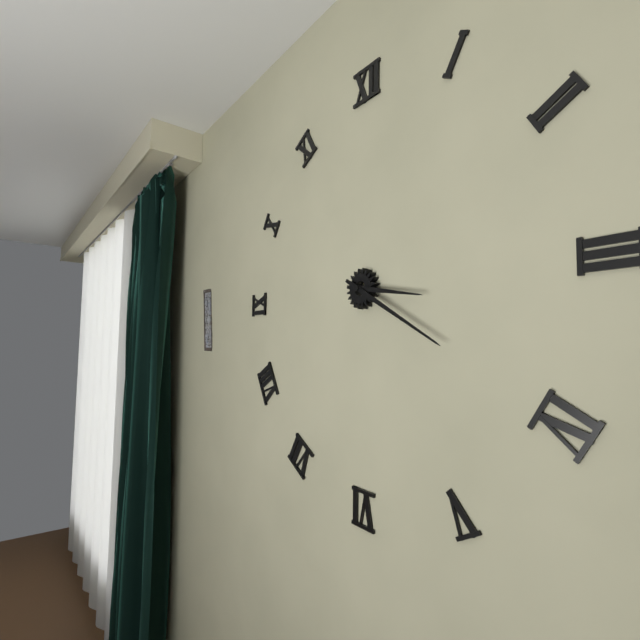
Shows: h=3 m=20
